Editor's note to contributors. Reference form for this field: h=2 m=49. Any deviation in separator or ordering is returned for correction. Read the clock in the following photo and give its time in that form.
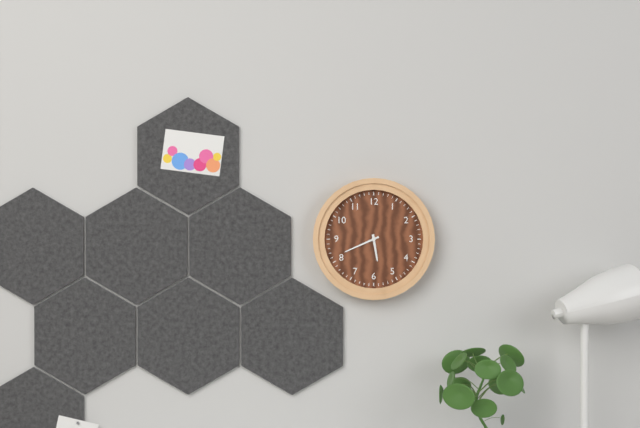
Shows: h=5 m=41
